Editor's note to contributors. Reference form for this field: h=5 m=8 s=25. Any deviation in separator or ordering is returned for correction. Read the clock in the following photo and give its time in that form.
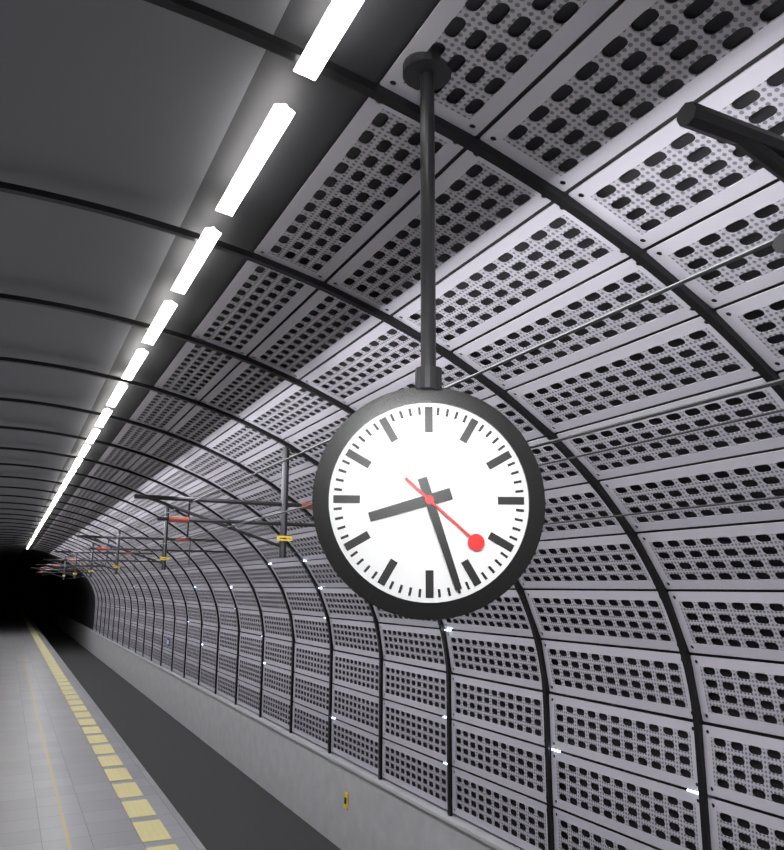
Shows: h=8 m=27 s=22
